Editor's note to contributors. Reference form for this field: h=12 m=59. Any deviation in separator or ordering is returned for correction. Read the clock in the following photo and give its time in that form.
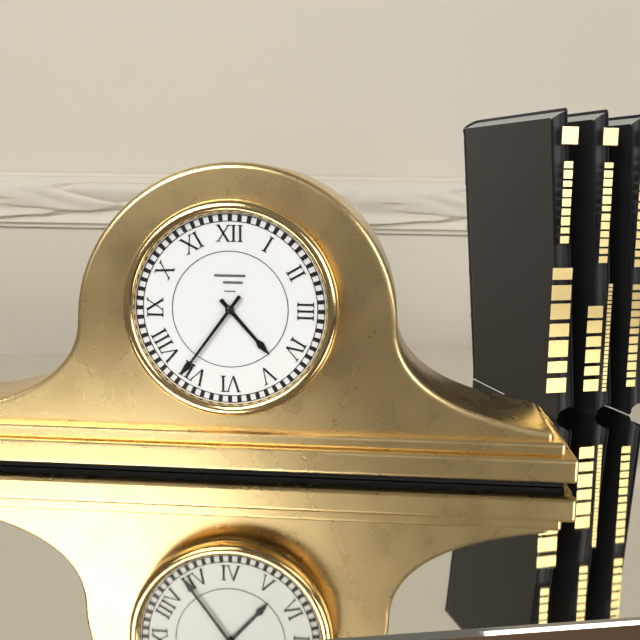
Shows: h=4 m=36
